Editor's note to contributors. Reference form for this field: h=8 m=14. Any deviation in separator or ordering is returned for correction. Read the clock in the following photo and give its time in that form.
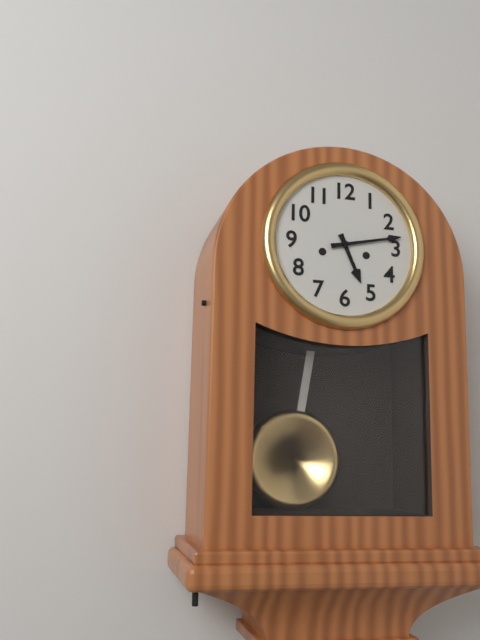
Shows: h=5 m=13
